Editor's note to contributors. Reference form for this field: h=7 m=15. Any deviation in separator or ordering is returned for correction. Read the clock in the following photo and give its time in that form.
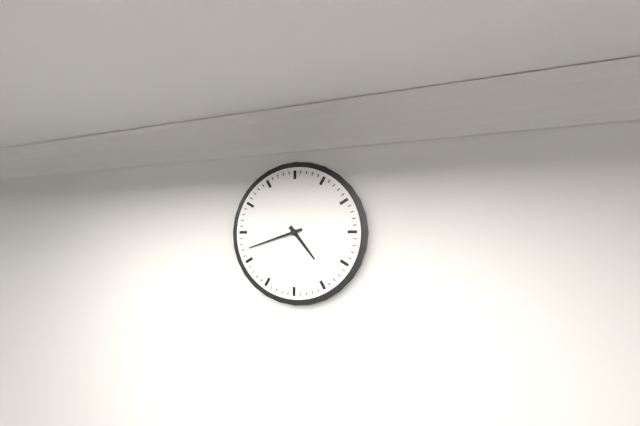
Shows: h=4 m=42
